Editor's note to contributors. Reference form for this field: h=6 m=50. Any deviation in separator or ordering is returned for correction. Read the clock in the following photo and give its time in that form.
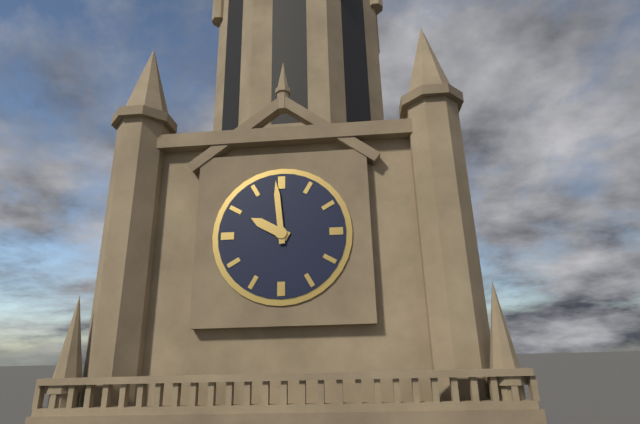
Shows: h=9 m=59
